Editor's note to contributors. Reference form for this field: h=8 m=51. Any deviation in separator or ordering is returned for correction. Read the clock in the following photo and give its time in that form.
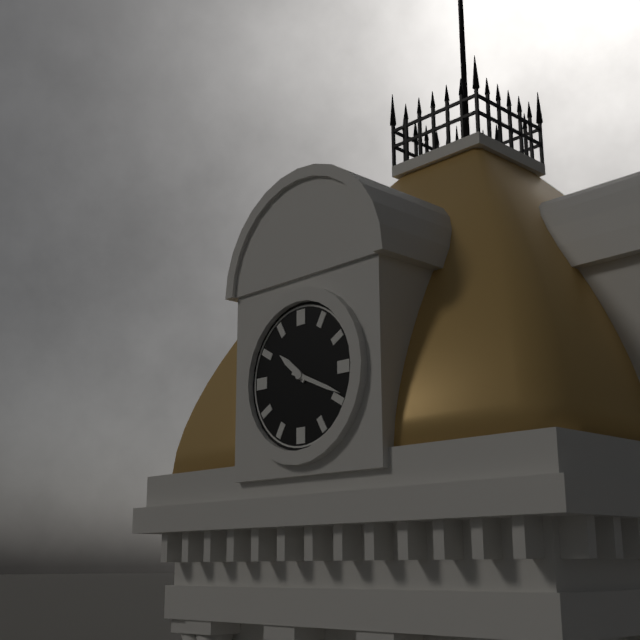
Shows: h=10 m=19
